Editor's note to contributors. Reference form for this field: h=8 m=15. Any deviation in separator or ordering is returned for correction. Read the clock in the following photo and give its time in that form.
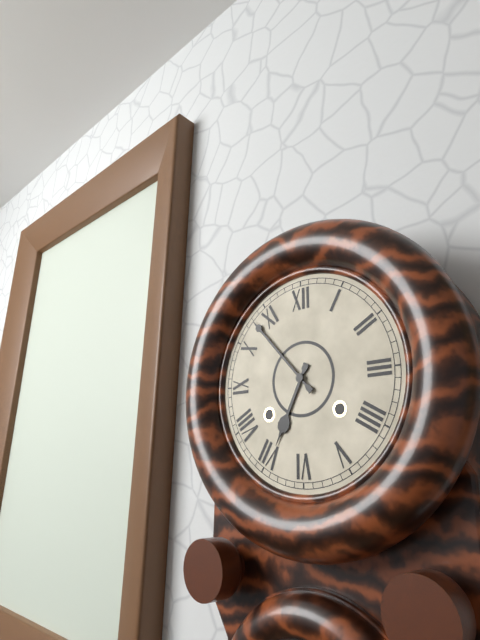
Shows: h=6 m=53
